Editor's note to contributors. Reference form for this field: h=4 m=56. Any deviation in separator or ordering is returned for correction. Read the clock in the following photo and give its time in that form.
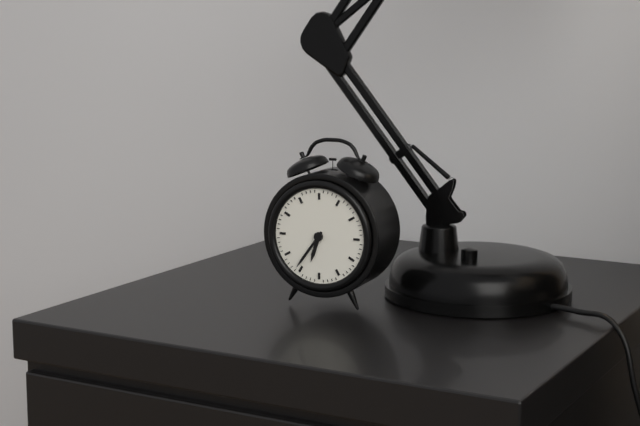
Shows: h=6 m=36
